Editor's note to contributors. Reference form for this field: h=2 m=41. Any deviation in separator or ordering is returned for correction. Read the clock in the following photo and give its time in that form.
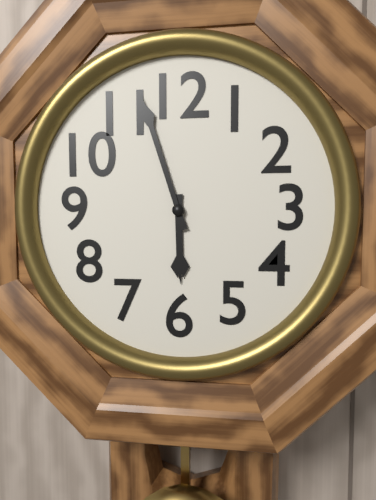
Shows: h=5 m=57
